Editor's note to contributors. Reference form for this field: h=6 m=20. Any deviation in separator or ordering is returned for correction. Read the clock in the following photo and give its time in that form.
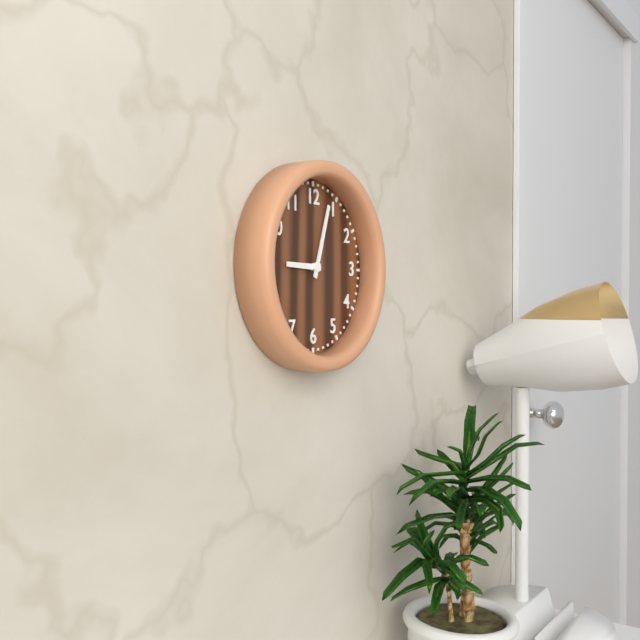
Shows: h=9 m=3
